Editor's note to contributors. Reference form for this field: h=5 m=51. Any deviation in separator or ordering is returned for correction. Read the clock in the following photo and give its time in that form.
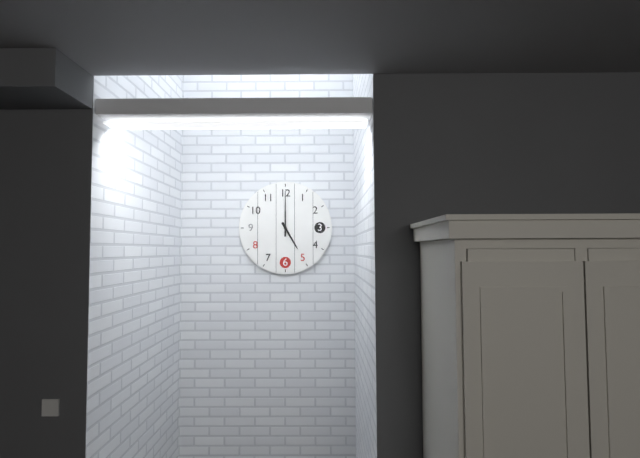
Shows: h=5 m=0
